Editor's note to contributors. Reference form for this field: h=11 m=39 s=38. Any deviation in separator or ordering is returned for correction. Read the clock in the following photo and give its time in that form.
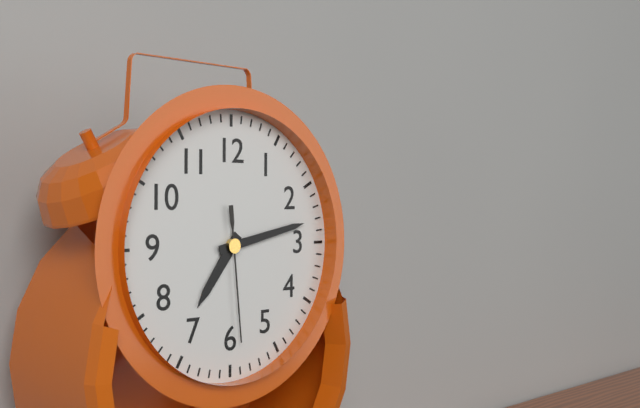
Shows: h=7 m=13 s=29
